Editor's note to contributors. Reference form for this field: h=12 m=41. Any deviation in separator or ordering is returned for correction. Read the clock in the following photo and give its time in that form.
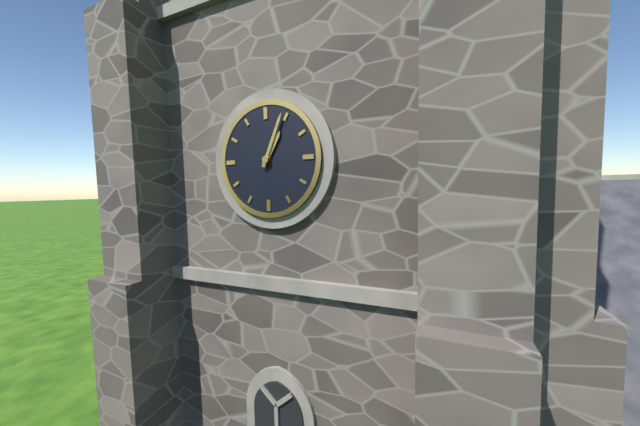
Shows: h=1 m=4
